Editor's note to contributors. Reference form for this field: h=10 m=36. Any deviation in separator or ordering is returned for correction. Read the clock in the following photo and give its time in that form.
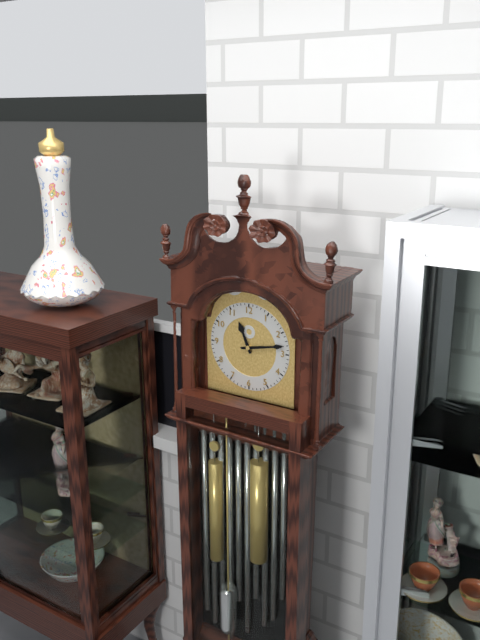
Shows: h=11 m=13
